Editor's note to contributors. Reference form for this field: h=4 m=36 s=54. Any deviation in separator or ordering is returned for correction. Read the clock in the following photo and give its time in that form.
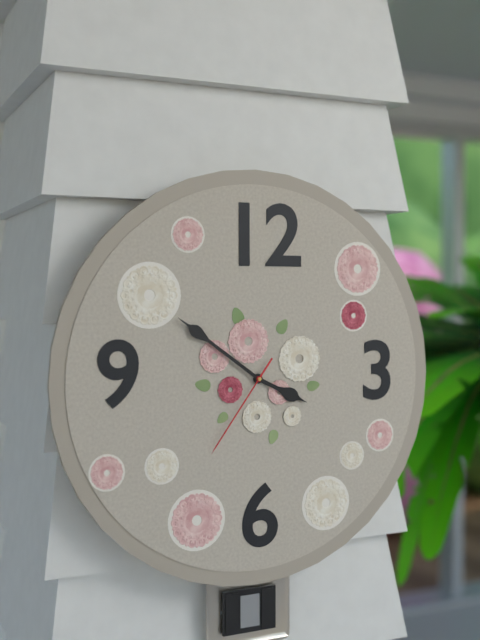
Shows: h=3 m=51 s=36
